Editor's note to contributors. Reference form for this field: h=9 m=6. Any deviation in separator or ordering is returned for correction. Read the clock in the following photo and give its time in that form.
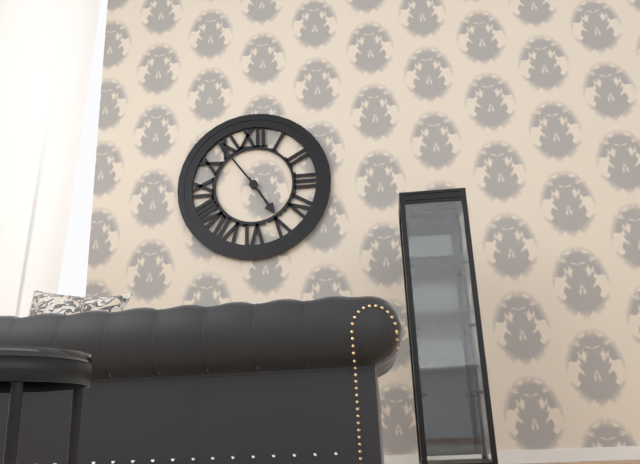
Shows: h=4 m=54
